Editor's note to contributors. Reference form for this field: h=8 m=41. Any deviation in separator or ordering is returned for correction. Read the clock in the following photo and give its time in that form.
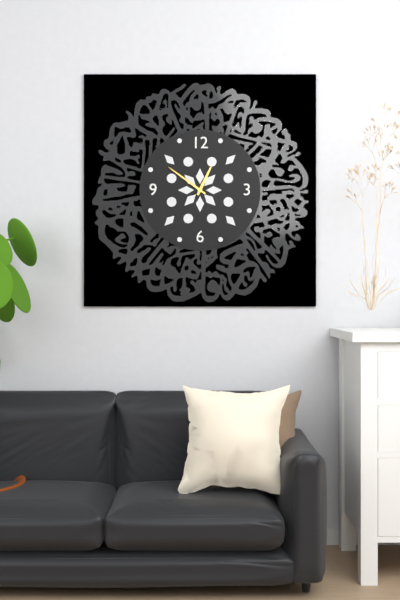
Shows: h=12 m=51
